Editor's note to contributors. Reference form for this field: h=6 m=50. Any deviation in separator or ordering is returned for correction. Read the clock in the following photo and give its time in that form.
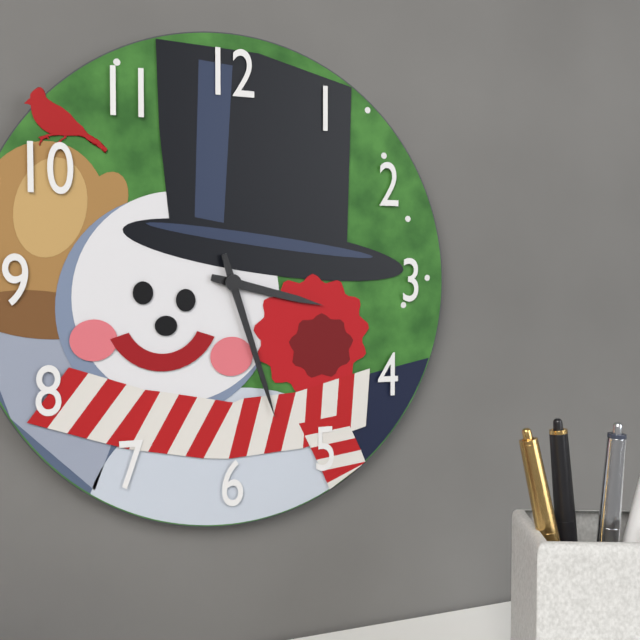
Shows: h=3 m=27
